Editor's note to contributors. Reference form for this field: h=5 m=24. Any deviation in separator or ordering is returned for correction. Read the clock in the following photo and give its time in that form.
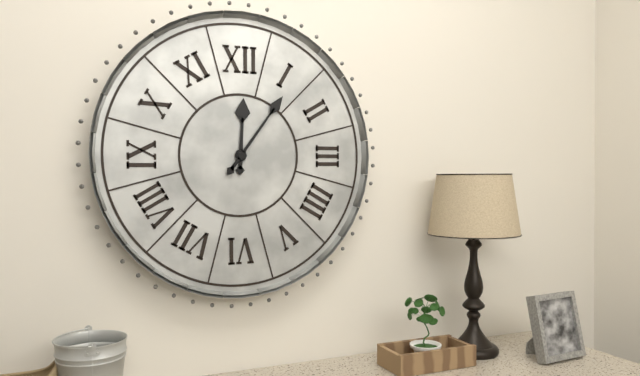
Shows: h=12 m=6
